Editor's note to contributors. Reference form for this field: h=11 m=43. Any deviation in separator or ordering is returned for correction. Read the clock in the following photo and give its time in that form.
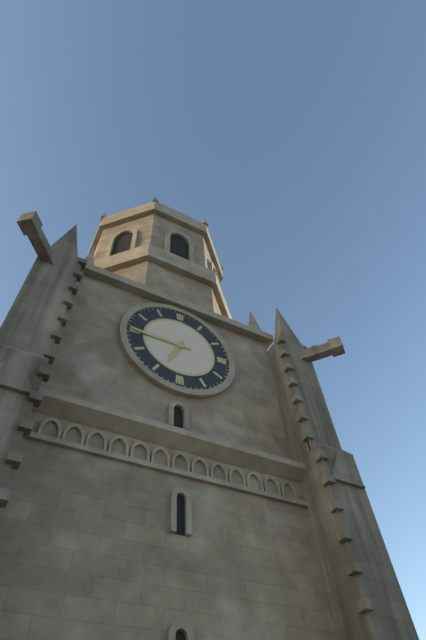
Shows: h=6 m=45
